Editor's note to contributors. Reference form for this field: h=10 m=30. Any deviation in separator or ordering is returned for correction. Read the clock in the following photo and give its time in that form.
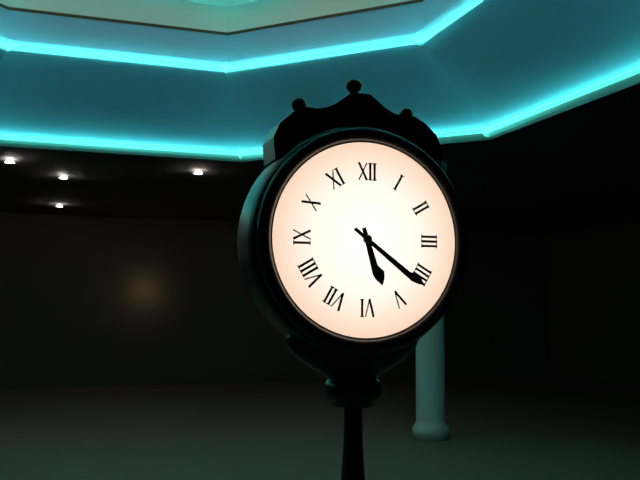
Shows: h=5 m=21
